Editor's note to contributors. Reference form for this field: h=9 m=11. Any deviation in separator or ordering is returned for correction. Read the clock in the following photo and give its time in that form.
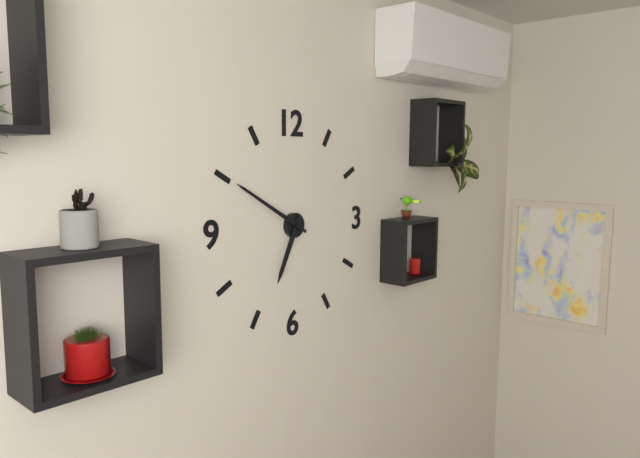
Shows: h=6 m=50
